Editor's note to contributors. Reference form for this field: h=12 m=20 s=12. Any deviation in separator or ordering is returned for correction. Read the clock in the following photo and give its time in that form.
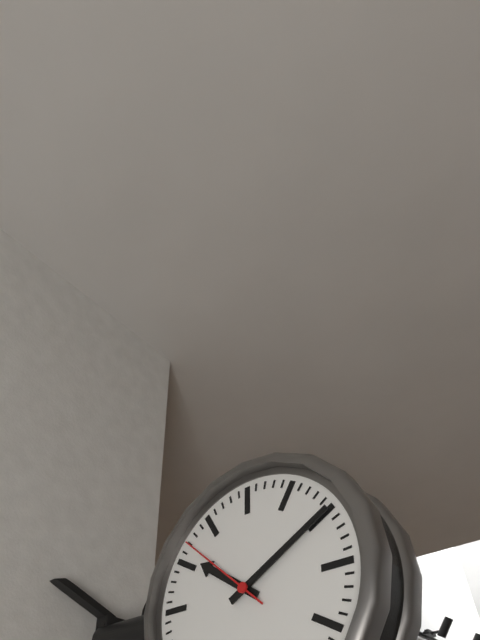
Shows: h=10 m=10 s=52
